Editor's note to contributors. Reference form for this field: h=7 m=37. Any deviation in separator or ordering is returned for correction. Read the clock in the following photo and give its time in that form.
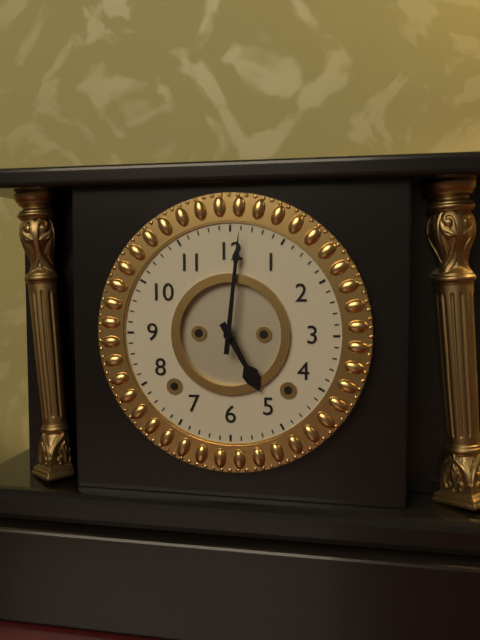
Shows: h=5 m=1
